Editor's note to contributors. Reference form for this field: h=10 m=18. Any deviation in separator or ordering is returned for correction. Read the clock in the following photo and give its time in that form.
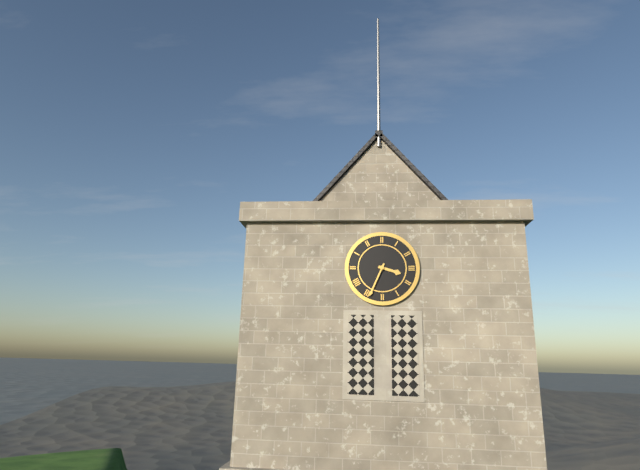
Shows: h=3 m=34
